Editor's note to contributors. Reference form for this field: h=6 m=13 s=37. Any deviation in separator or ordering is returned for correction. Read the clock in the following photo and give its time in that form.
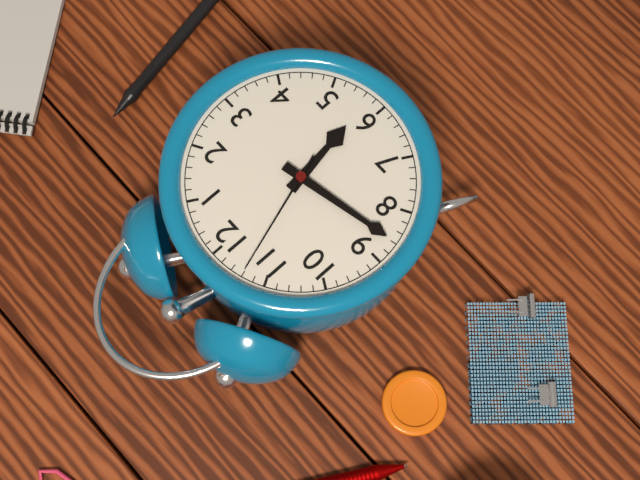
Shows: h=5 m=43 s=57
